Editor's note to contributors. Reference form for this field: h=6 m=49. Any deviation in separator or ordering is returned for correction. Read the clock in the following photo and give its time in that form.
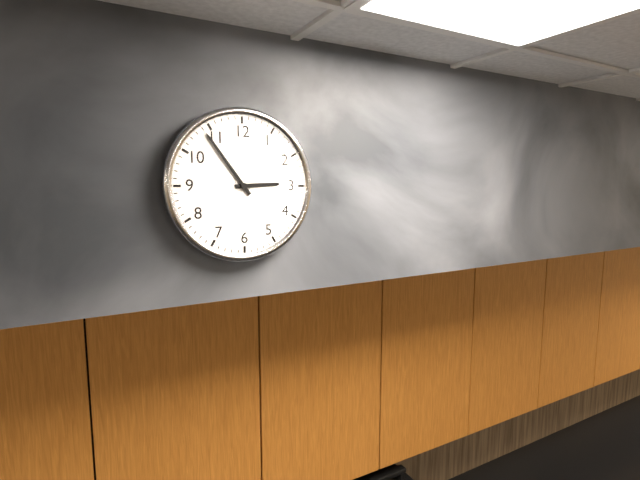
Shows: h=2 m=54
